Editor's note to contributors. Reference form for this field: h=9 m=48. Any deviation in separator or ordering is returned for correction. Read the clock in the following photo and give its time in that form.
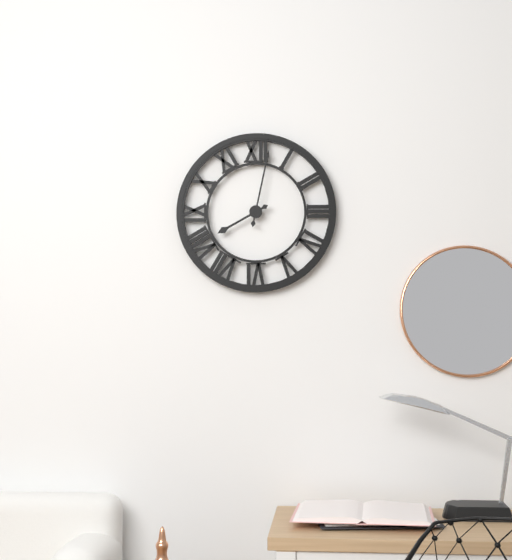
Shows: h=8 m=2
